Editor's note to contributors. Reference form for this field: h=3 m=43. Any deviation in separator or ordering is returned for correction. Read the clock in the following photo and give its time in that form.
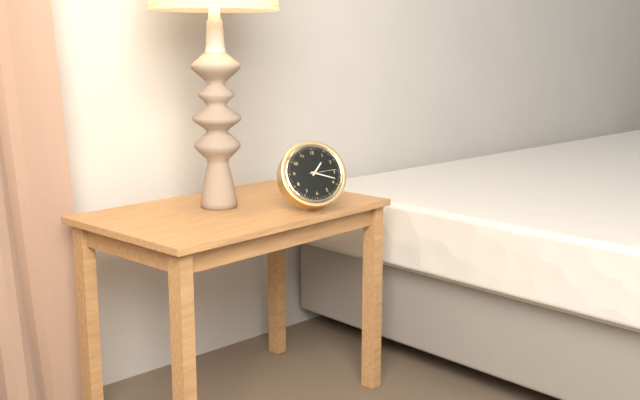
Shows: h=1 m=18
